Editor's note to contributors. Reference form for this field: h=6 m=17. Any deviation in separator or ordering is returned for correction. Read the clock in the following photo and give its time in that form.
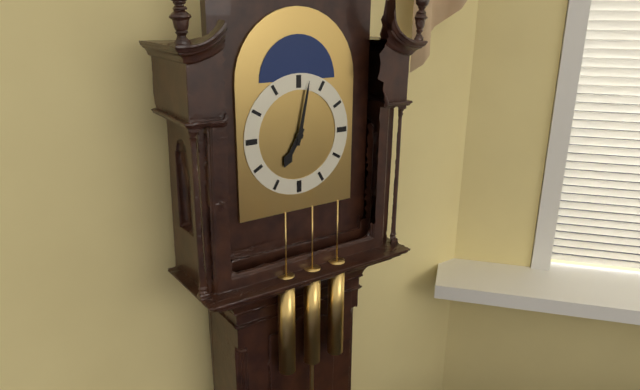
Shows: h=7 m=2
